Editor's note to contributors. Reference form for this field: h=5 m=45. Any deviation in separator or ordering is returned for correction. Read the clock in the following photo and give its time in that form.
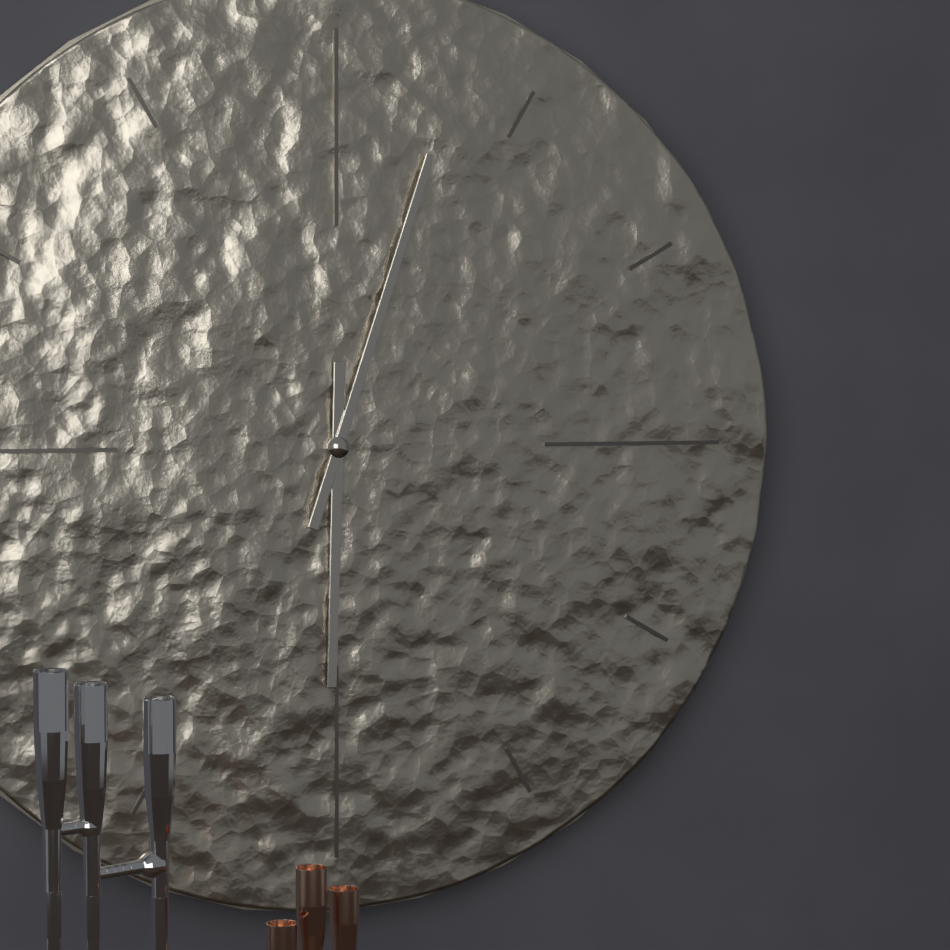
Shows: h=6 m=3
